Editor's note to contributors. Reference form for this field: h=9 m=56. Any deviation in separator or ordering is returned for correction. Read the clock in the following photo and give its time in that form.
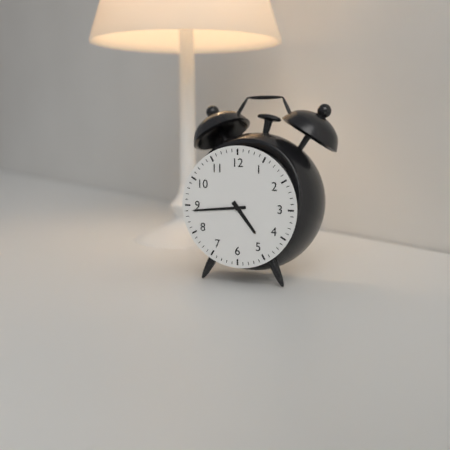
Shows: h=4 m=44
